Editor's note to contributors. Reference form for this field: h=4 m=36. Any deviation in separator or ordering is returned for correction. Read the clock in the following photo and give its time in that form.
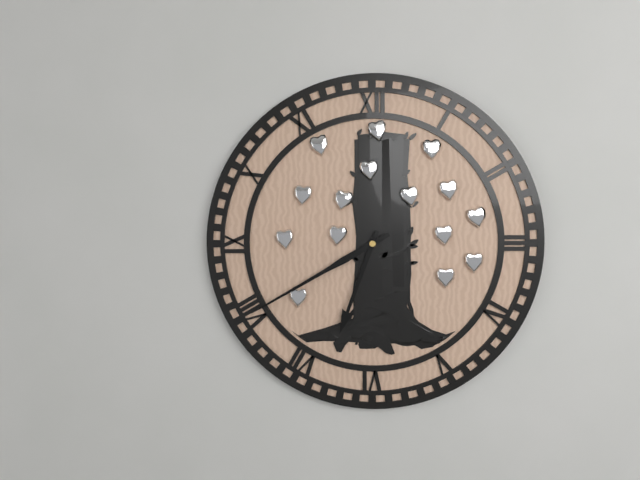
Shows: h=6 m=40
